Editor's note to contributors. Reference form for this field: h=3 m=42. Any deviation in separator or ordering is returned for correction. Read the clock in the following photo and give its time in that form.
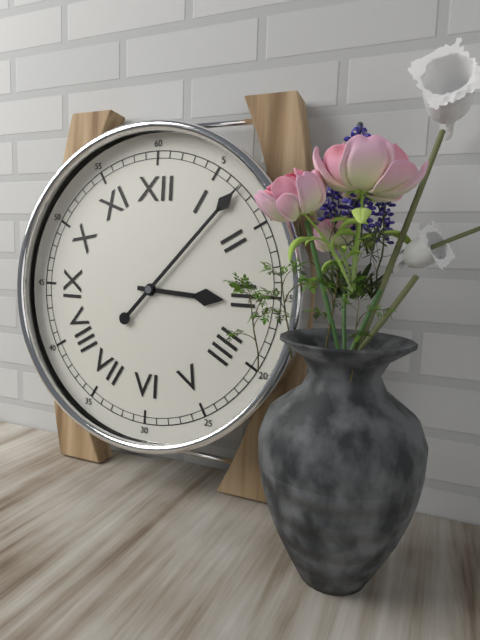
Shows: h=3 m=7
